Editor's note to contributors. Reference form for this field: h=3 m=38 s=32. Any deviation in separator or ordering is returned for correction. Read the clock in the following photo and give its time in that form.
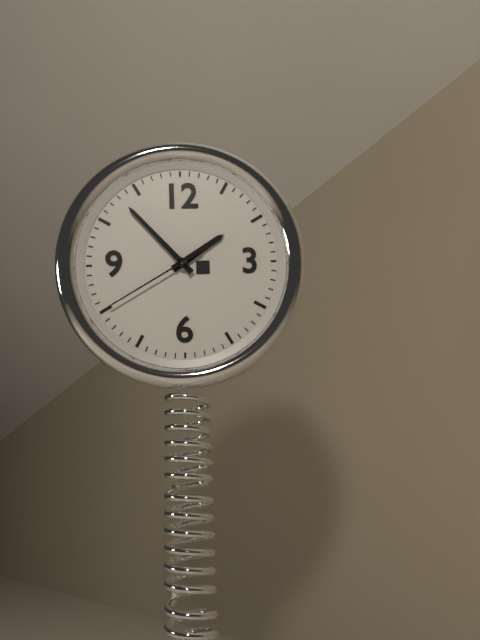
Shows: h=1 m=53 s=40
